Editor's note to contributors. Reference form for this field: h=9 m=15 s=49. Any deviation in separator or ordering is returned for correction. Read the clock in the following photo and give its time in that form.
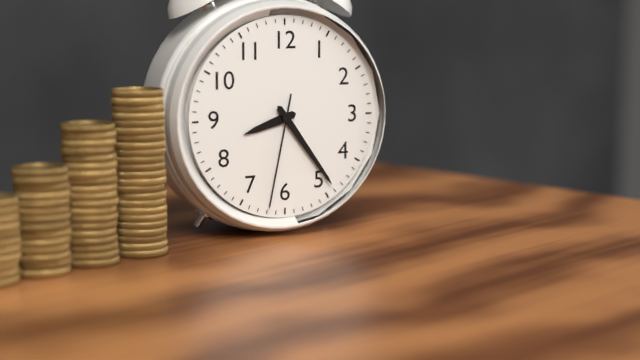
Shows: h=8 m=24 s=32
